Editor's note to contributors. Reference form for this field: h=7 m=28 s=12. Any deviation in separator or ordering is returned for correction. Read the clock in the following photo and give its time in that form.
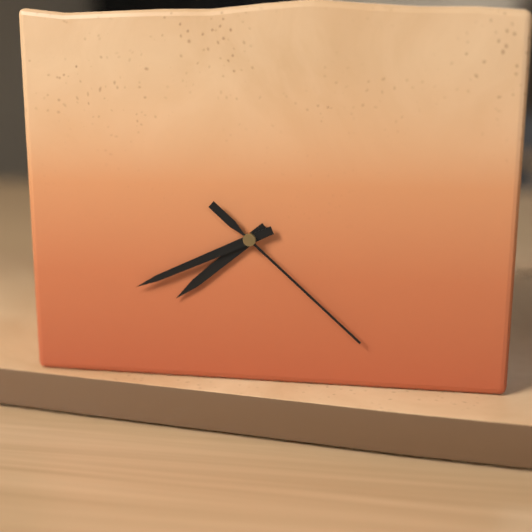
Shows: h=7 m=41 s=22
